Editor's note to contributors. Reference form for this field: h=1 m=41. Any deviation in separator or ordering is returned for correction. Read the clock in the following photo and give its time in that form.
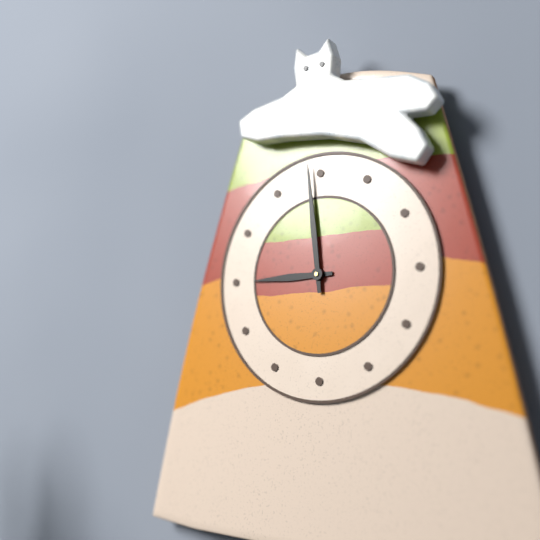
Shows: h=8 m=59
